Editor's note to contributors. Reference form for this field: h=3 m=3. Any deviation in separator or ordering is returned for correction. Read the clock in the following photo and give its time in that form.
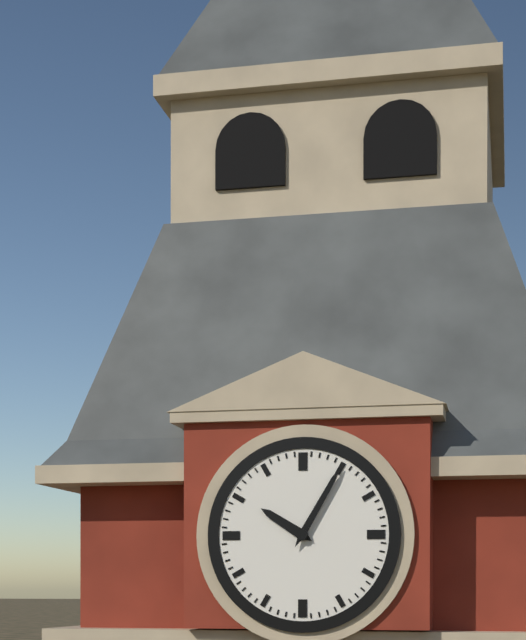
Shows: h=10 m=5
